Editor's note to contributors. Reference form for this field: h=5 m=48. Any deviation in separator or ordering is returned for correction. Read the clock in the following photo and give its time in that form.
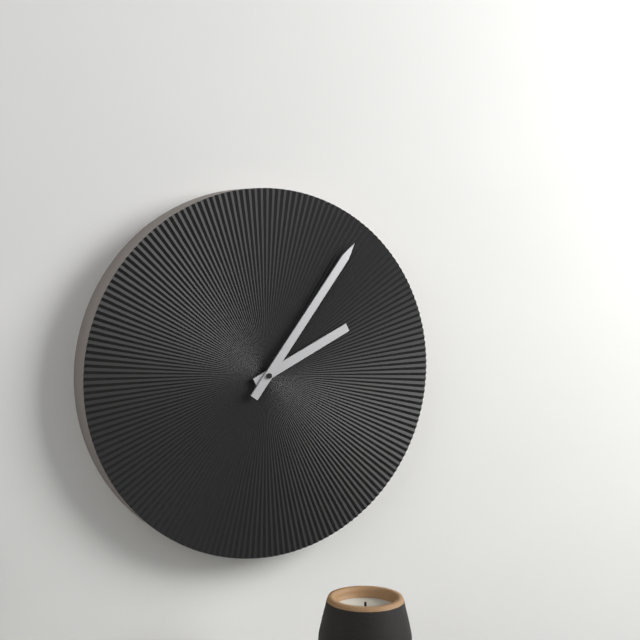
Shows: h=2 m=6
